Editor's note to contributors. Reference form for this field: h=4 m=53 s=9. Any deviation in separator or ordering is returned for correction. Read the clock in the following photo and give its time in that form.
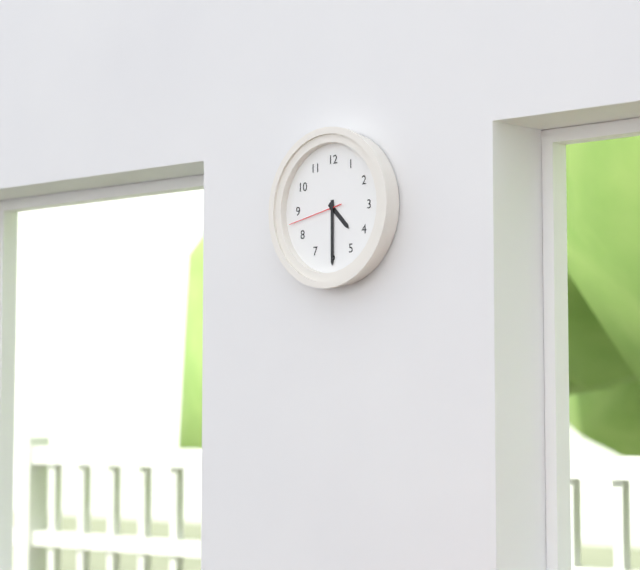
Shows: h=4 m=30 s=43
